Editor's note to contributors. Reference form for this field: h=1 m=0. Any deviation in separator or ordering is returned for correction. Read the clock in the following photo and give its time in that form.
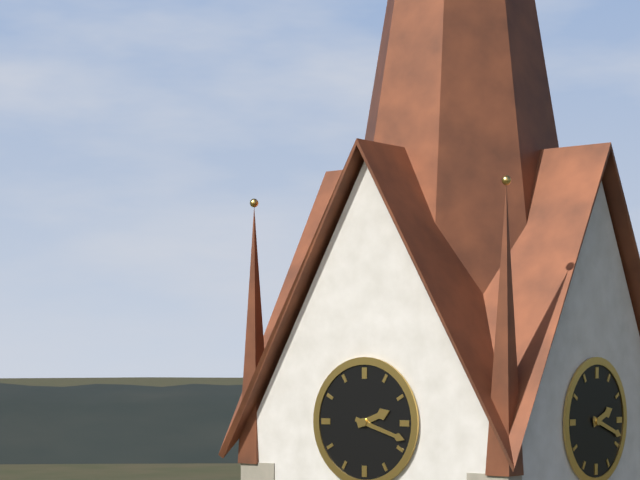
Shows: h=2 m=18
